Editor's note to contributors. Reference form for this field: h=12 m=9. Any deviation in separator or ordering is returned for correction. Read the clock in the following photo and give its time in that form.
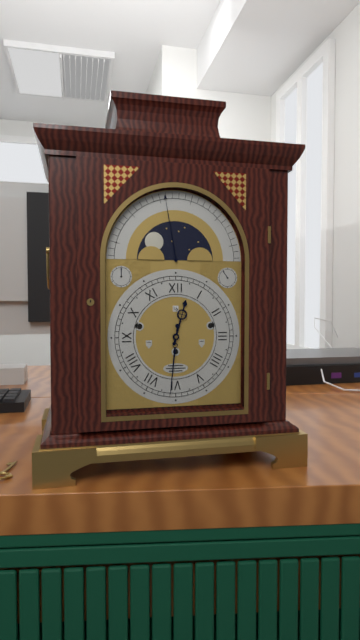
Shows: h=12 m=31
